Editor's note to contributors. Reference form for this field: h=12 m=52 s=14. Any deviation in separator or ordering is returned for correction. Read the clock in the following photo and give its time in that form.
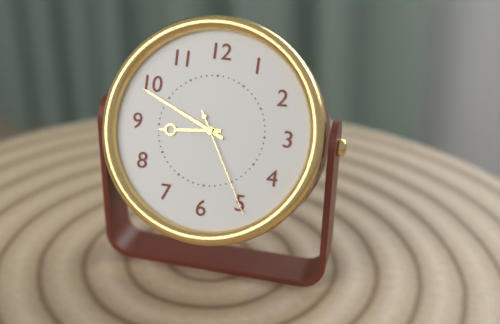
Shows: h=8 m=49 s=25
